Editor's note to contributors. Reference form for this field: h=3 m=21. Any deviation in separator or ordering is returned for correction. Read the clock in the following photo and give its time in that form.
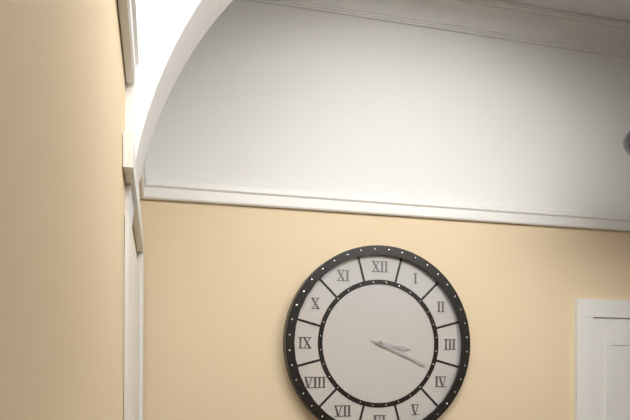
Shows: h=3 m=19
